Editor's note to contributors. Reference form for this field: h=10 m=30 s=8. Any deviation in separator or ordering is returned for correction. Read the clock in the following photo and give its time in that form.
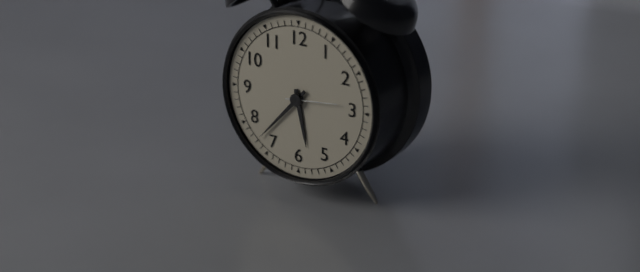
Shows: h=5 m=37 s=14
